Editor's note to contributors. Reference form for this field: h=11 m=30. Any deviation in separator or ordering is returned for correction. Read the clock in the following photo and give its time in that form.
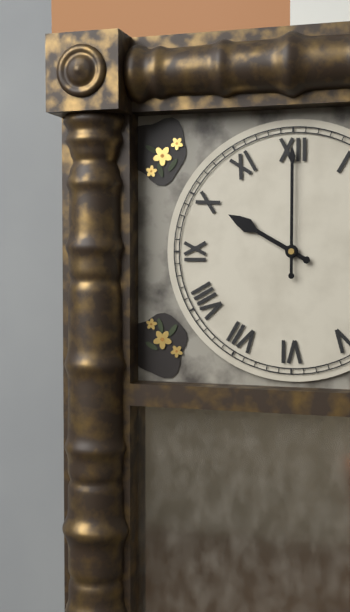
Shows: h=10 m=0
